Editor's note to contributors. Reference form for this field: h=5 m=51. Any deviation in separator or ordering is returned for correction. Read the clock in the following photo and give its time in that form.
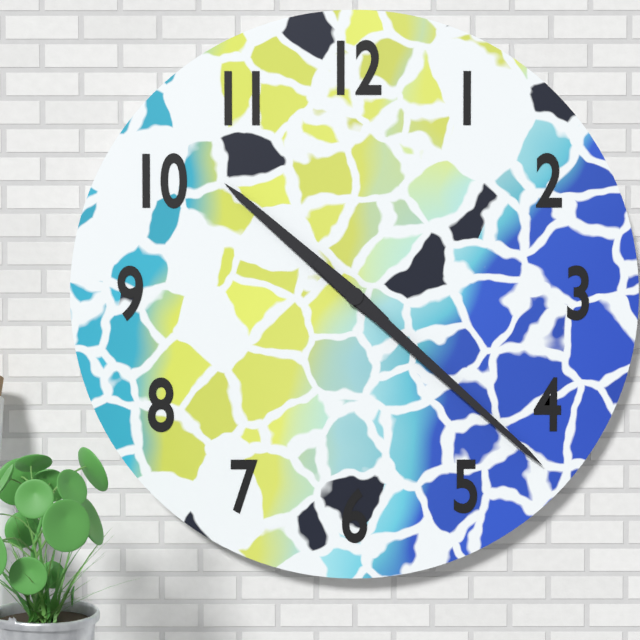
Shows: h=10 m=22
